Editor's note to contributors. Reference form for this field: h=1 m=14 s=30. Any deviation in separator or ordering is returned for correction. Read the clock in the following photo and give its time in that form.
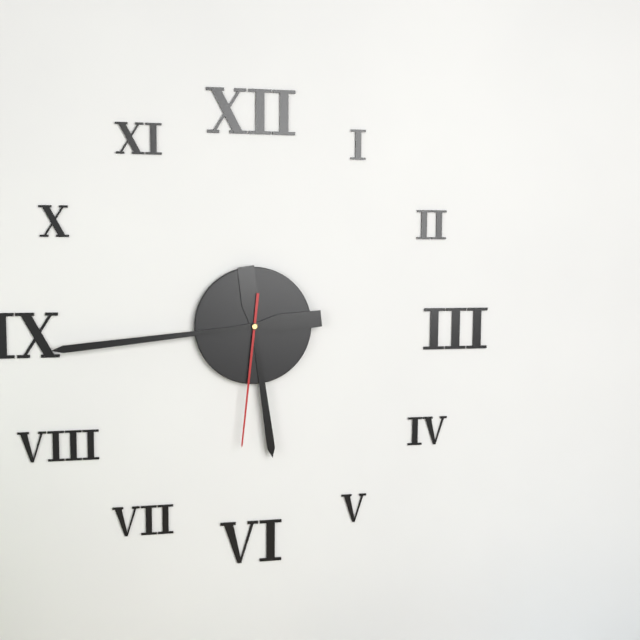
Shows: h=5 m=44 s=31
